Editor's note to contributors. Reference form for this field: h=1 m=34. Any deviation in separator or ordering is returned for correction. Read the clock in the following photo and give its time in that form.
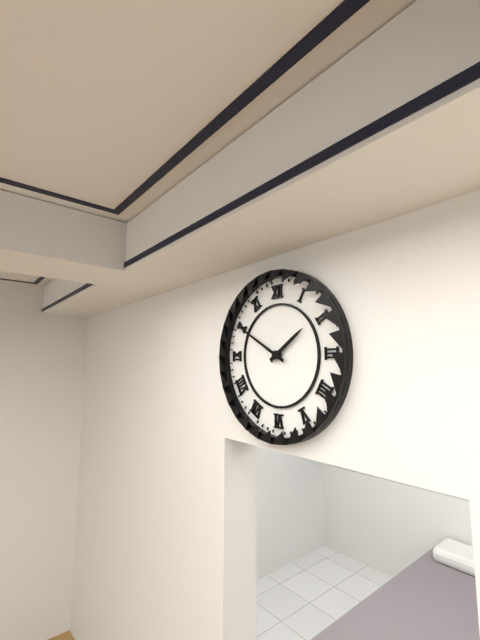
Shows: h=1 m=50
